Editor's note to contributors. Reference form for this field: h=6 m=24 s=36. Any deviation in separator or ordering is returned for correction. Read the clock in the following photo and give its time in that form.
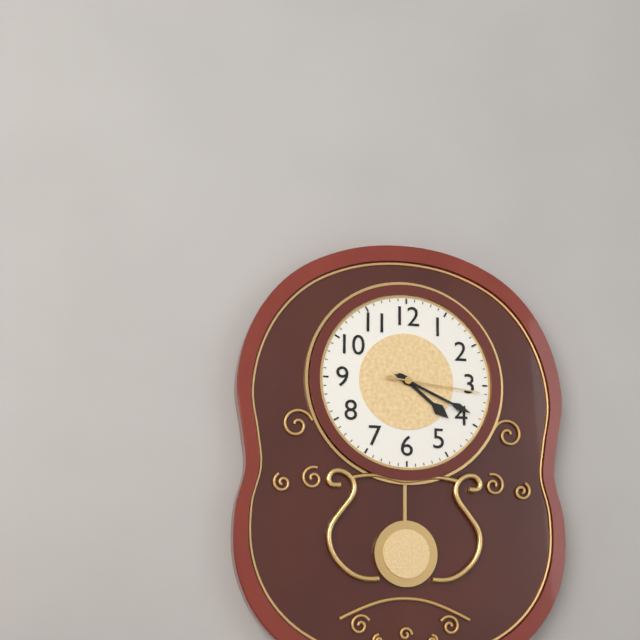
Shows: h=4 m=19 s=16
